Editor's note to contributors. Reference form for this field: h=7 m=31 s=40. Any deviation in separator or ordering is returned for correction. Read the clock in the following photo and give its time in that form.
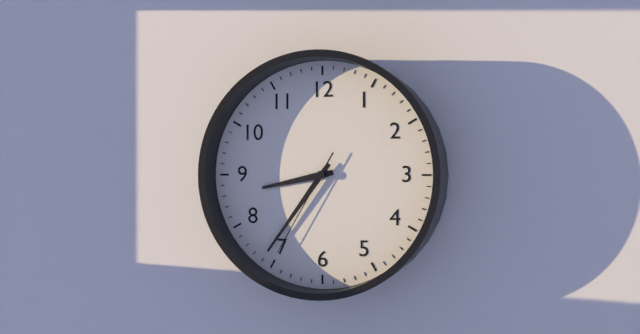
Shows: h=8 m=36 s=35
